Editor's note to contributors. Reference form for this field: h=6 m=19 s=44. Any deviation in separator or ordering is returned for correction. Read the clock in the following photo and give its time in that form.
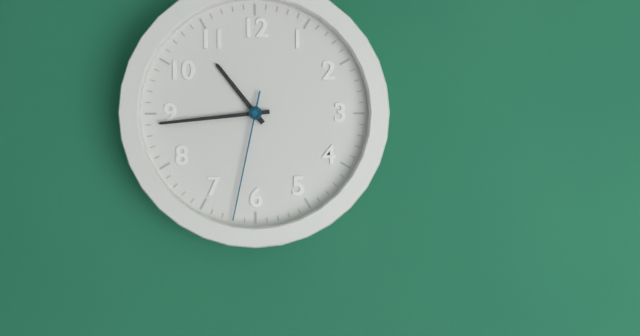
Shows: h=10 m=44 s=32
